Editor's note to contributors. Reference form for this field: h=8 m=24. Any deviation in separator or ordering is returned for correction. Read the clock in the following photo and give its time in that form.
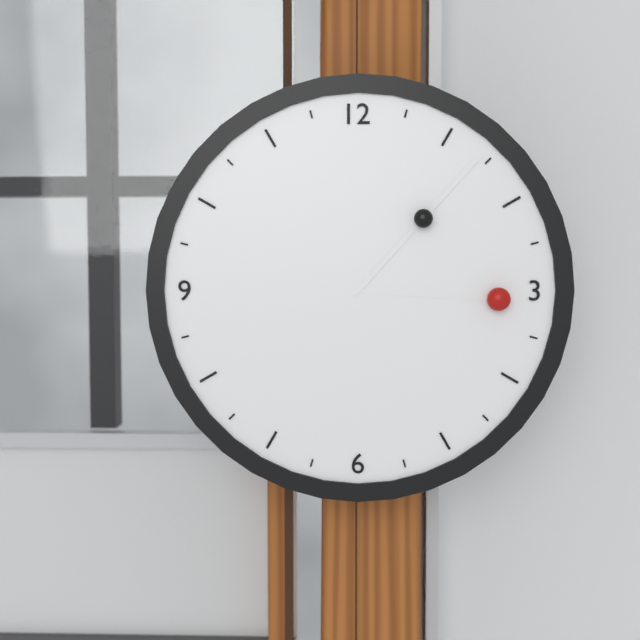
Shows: h=3 m=7
